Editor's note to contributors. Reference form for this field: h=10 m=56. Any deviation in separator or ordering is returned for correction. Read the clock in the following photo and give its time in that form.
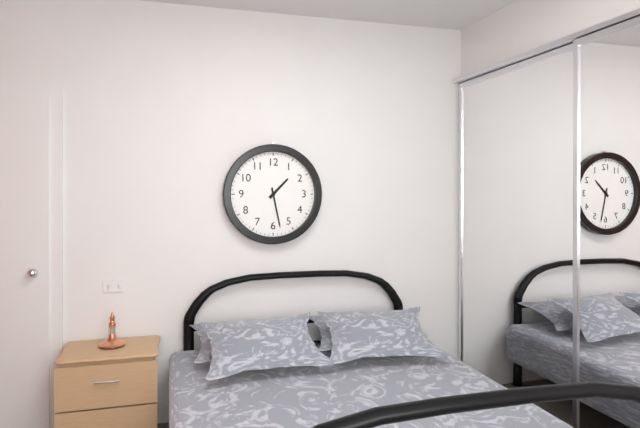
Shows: h=1 m=28
